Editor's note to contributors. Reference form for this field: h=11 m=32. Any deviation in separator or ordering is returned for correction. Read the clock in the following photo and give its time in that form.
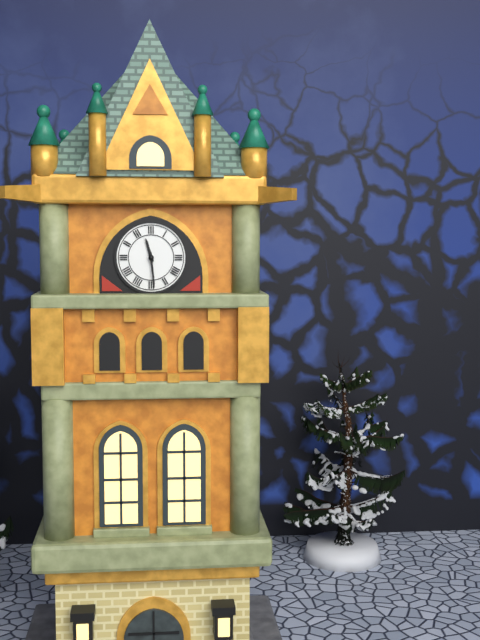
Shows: h=11 m=29
